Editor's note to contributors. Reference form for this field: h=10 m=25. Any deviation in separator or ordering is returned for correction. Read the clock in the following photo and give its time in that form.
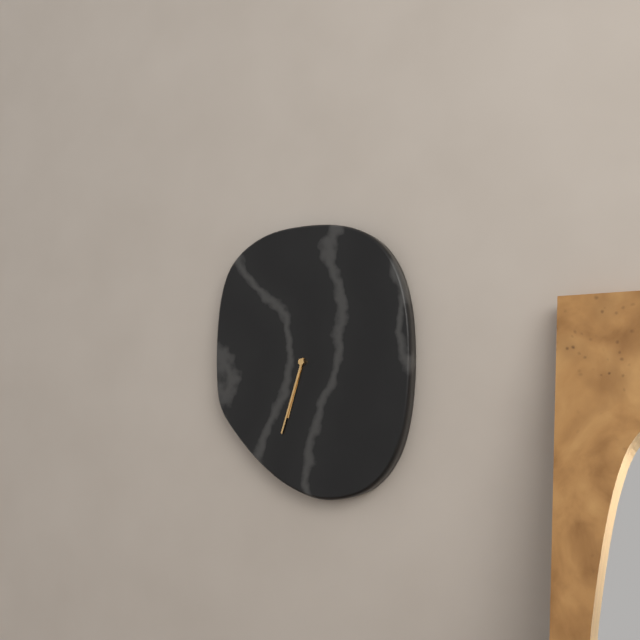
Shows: h=6 m=33
